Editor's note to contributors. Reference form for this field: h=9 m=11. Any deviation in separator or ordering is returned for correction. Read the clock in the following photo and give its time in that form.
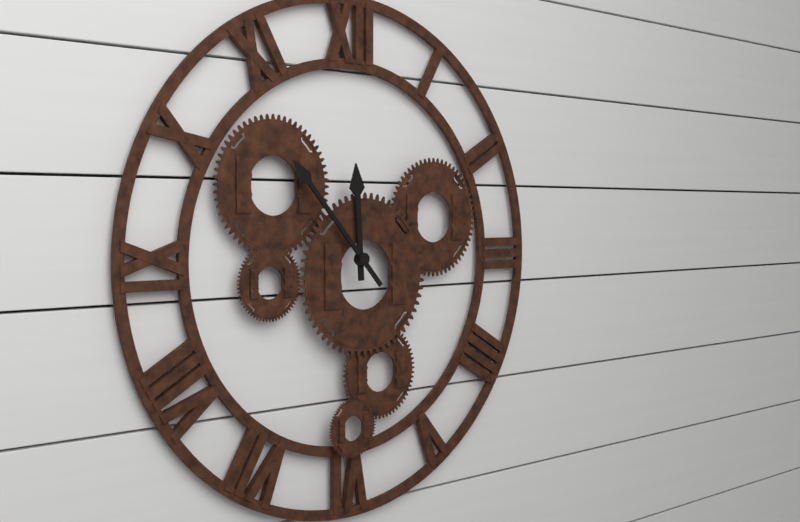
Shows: h=11 m=53
